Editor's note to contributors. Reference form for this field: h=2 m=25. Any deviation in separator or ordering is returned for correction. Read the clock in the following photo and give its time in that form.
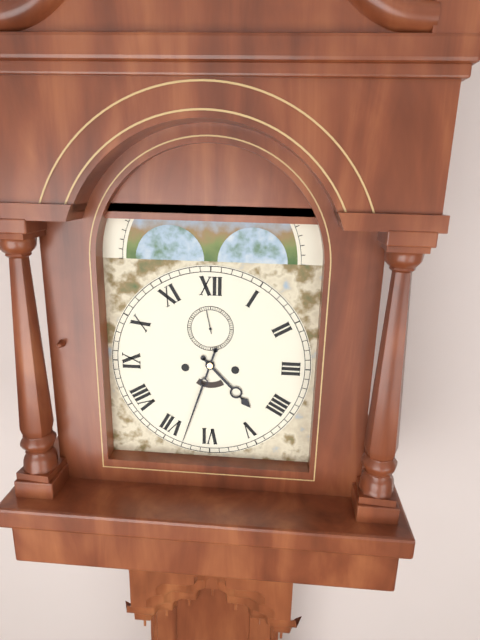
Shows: h=4 m=33
